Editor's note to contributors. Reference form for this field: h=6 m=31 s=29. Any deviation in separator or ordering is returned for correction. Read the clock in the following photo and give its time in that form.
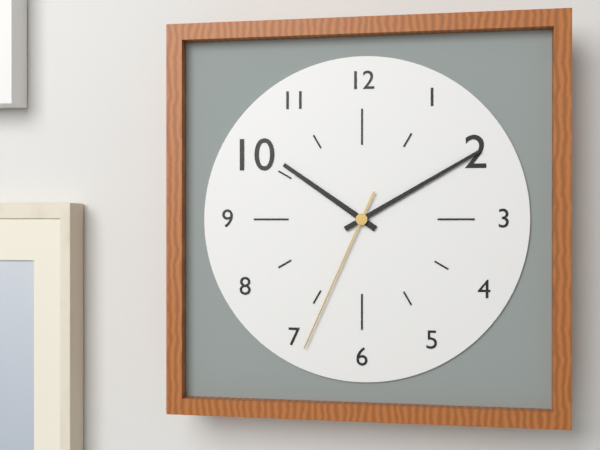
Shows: h=10 m=10 s=34
